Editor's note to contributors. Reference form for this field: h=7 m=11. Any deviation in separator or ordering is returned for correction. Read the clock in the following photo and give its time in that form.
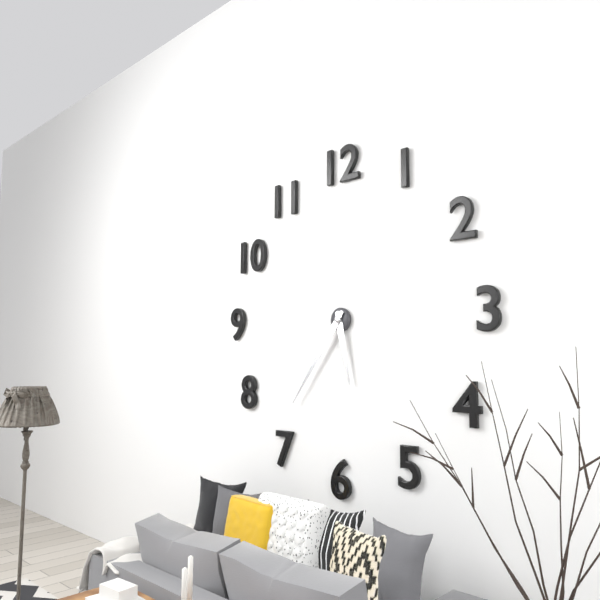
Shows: h=5 m=36
